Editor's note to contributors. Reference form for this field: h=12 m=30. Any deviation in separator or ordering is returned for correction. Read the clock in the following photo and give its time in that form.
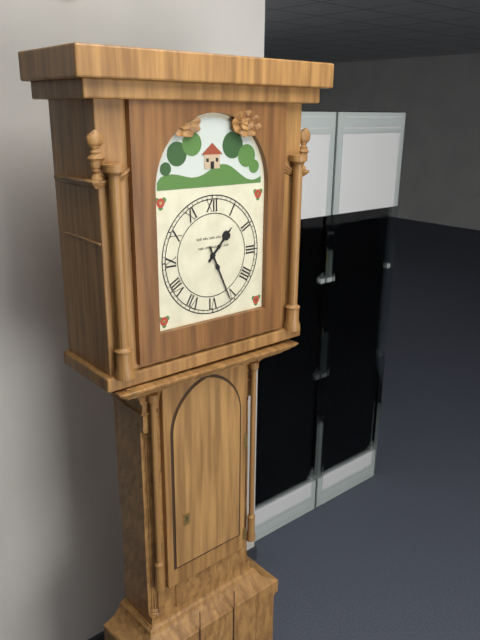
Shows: h=1 m=26
